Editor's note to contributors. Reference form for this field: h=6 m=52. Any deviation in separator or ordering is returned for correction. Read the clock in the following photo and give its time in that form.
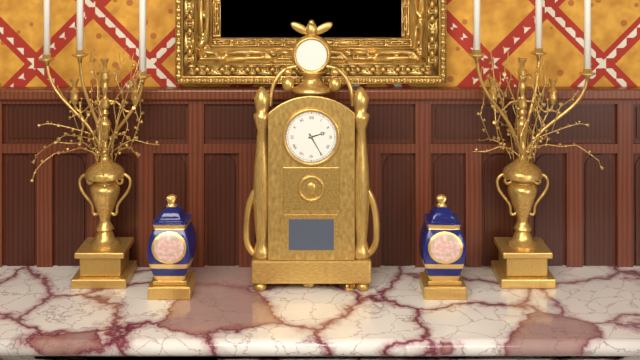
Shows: h=2 m=25
